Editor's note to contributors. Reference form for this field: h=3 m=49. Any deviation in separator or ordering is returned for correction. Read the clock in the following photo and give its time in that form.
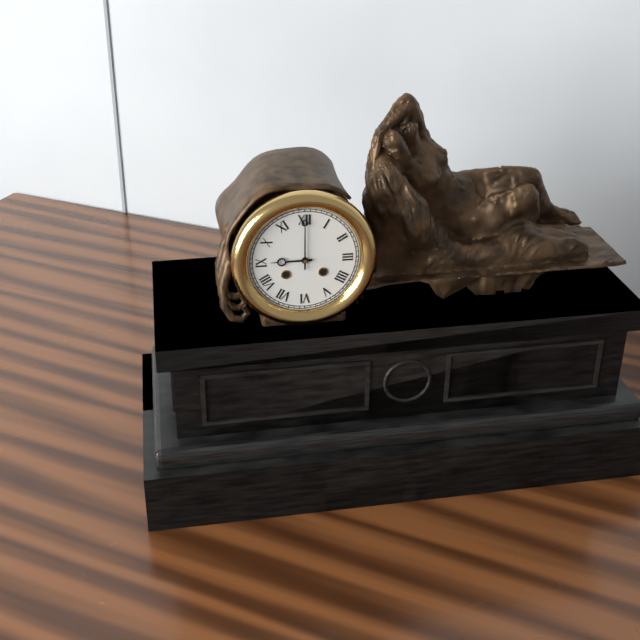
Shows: h=9 m=0
